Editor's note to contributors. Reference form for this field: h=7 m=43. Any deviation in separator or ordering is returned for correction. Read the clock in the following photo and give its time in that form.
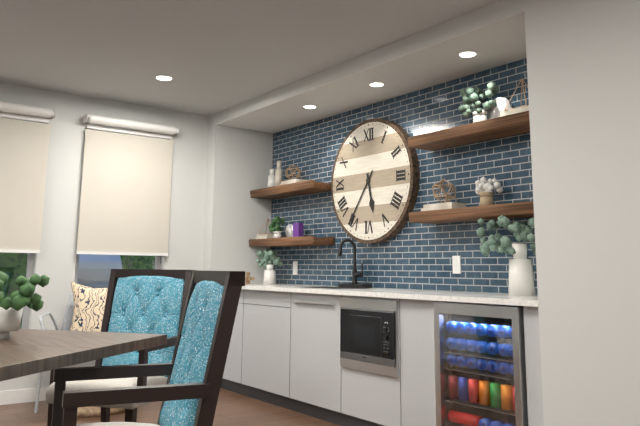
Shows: h=5 m=36
